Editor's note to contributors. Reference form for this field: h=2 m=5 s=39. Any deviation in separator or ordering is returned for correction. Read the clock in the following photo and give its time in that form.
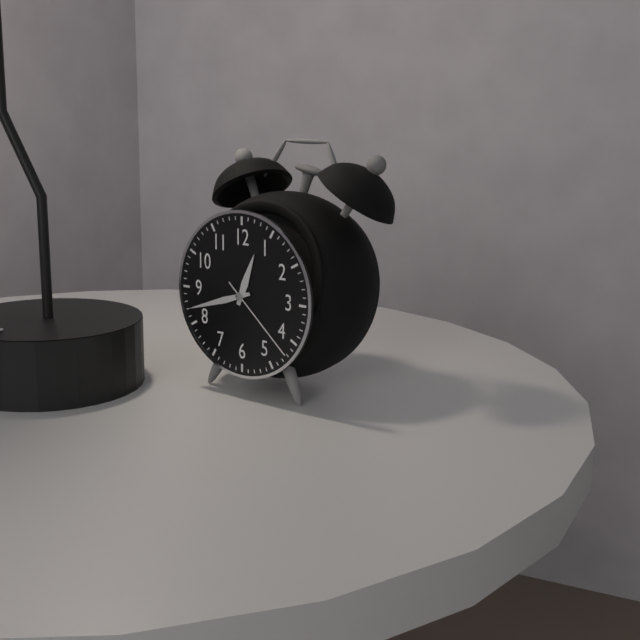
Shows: h=12 m=42 s=22
